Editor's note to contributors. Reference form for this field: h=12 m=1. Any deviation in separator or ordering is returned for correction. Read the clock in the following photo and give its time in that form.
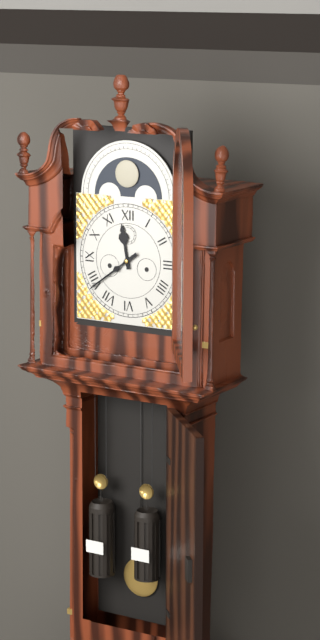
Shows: h=11 m=39
